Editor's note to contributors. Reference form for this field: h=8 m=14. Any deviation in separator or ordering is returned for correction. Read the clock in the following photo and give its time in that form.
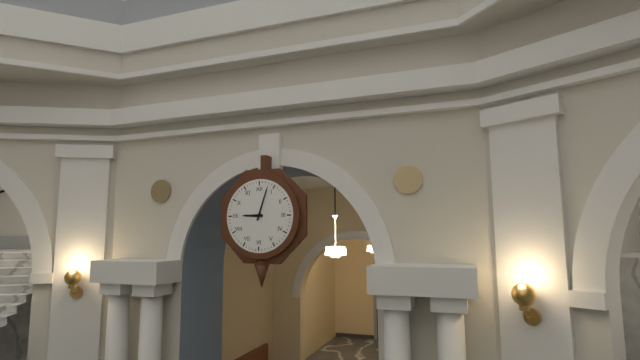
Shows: h=9 m=3
